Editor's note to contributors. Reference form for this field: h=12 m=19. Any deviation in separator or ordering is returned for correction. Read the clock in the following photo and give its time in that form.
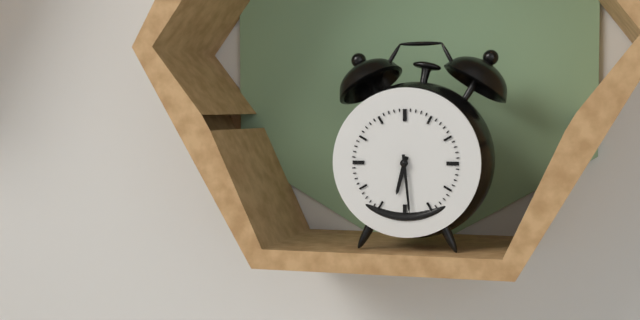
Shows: h=6 m=29
